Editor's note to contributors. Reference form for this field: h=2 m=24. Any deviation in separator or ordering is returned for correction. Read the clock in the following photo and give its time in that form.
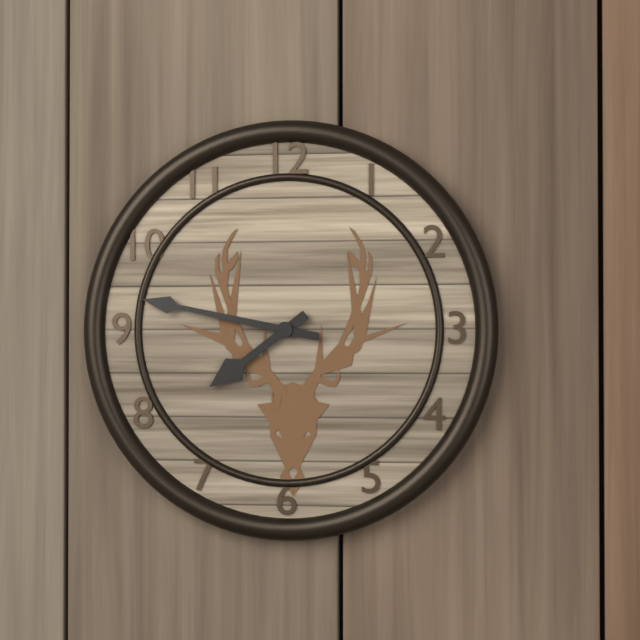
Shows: h=7 m=47
